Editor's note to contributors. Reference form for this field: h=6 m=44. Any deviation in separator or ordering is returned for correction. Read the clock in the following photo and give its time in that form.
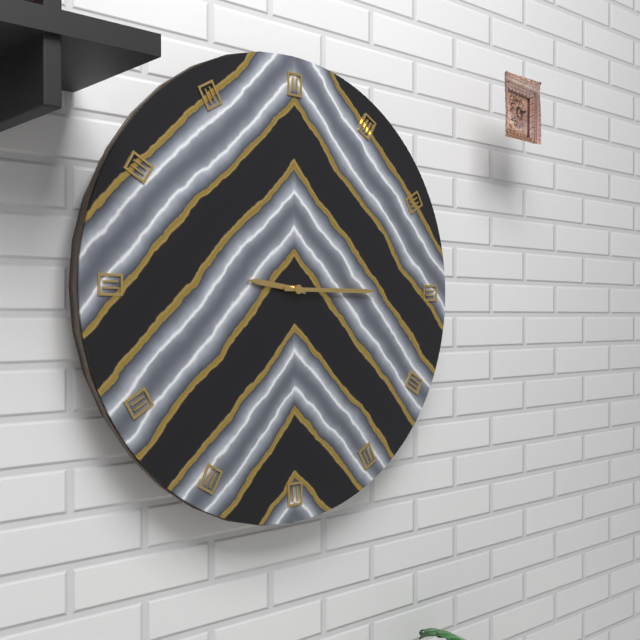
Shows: h=9 m=15
